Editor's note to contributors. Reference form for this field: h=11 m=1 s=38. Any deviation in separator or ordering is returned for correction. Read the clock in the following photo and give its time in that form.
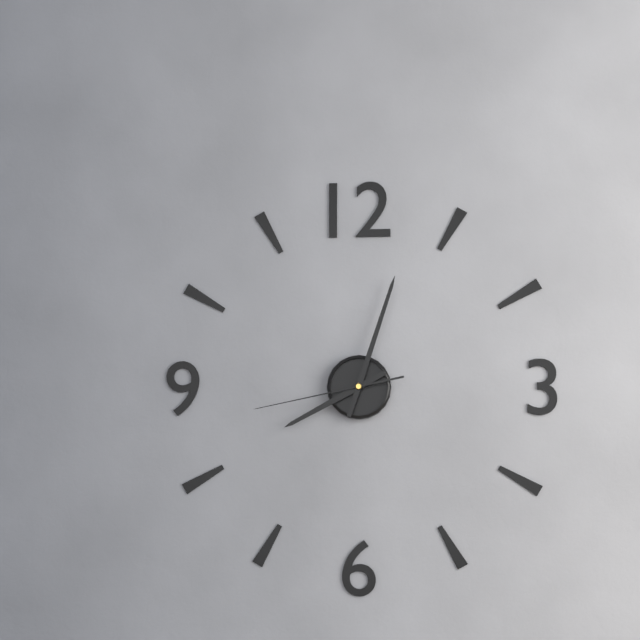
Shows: h=8 m=3 s=43
